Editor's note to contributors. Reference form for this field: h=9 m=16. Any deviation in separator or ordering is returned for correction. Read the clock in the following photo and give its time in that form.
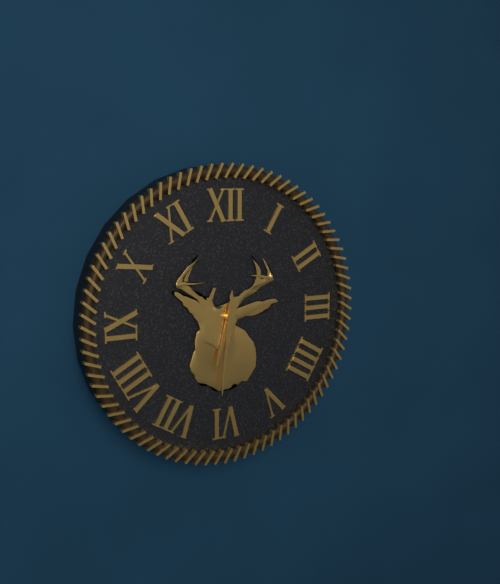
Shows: h=6 m=31
